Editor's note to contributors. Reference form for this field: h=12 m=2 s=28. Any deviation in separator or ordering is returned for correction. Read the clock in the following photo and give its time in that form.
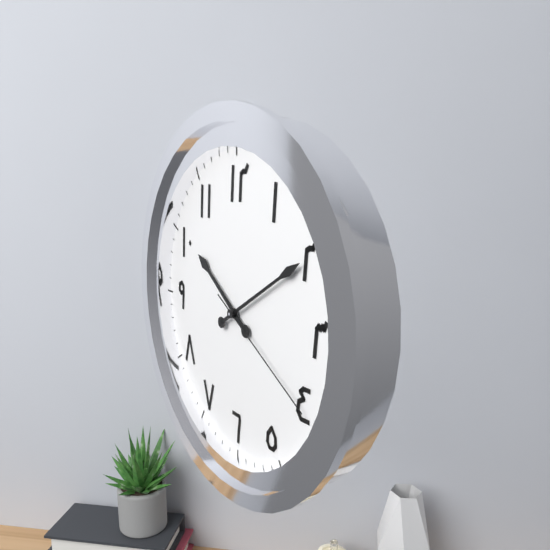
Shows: h=10 m=10 s=20
